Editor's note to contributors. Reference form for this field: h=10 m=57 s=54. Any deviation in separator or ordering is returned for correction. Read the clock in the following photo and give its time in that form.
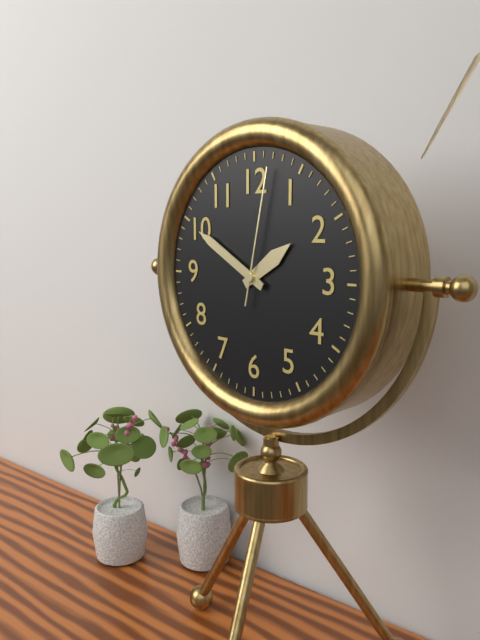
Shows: h=1 m=50 s=2
